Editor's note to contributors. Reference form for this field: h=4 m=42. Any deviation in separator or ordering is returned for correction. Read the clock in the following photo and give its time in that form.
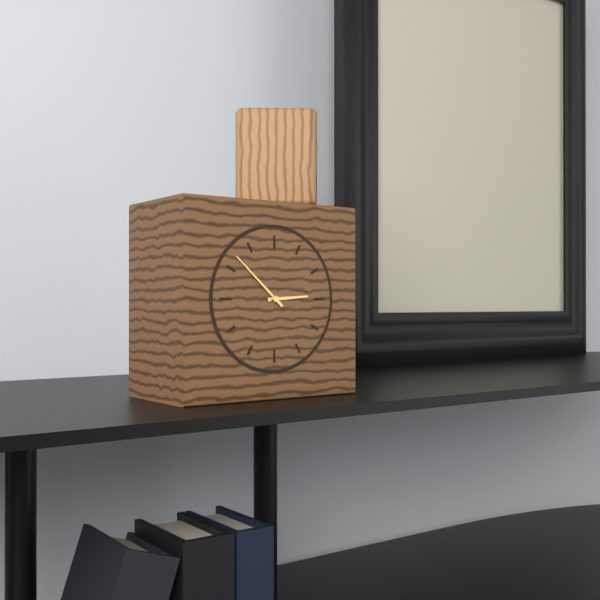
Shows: h=2 m=52
